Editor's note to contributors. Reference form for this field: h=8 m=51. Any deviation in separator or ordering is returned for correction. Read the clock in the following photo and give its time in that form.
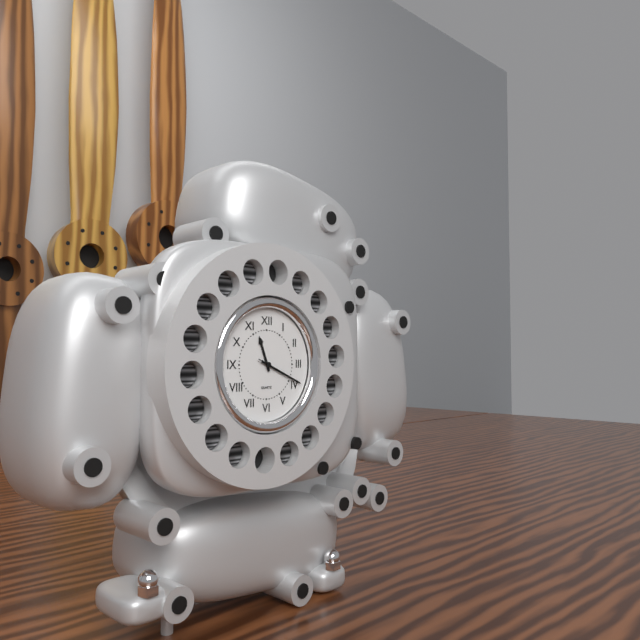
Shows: h=11 m=19
